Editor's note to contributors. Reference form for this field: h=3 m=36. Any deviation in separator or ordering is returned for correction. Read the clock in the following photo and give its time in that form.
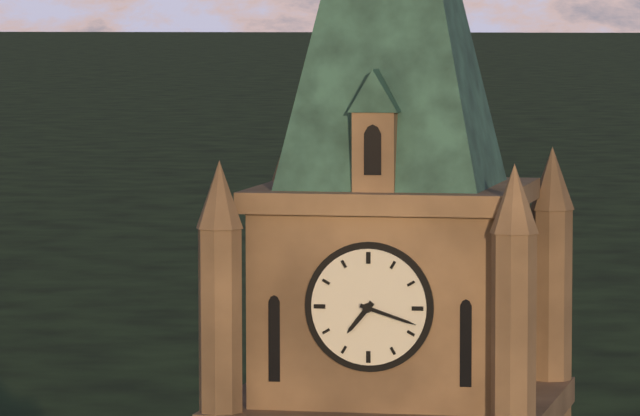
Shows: h=7 m=18
